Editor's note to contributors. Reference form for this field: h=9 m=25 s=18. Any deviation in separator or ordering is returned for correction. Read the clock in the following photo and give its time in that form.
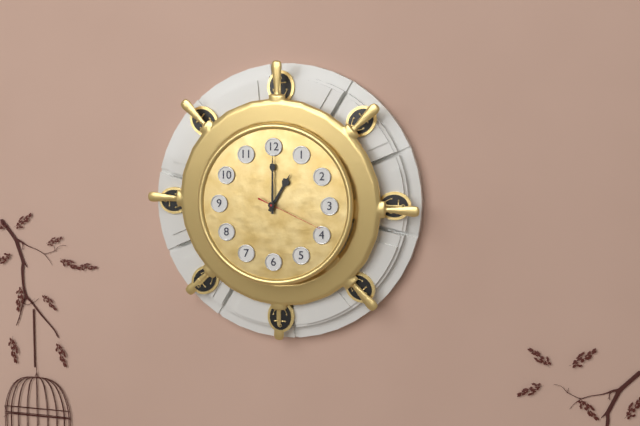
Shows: h=1 m=0 s=19
